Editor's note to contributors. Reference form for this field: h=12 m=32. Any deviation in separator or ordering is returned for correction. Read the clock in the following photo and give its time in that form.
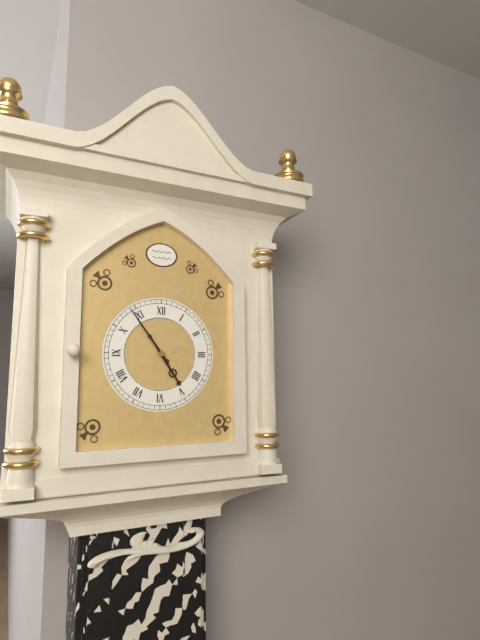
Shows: h=4 m=54
